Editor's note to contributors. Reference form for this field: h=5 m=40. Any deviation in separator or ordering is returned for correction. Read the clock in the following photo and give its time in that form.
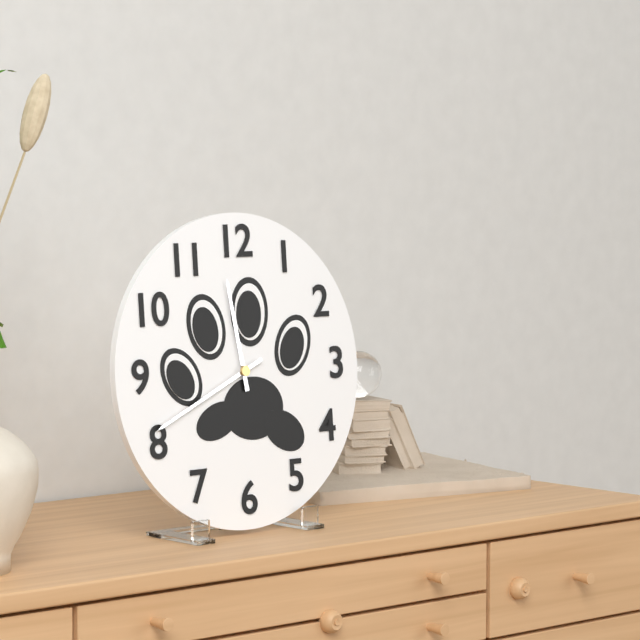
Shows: h=11 m=41
